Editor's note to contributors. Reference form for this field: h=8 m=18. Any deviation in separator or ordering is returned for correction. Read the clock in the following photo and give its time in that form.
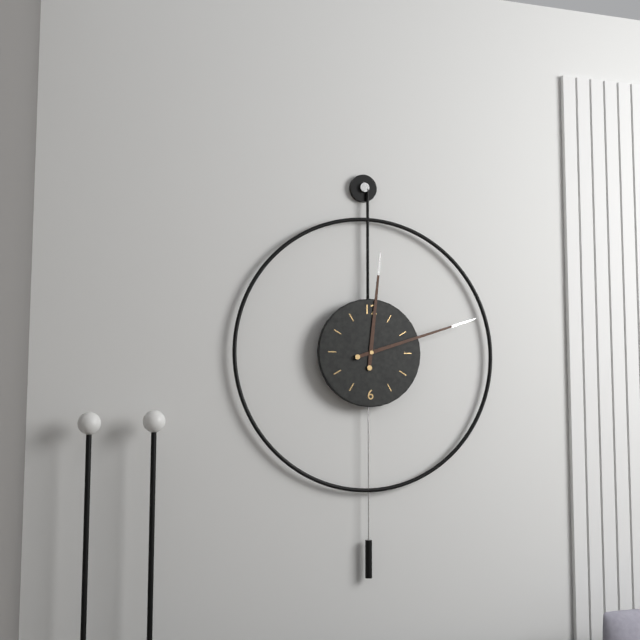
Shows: h=12 m=12
